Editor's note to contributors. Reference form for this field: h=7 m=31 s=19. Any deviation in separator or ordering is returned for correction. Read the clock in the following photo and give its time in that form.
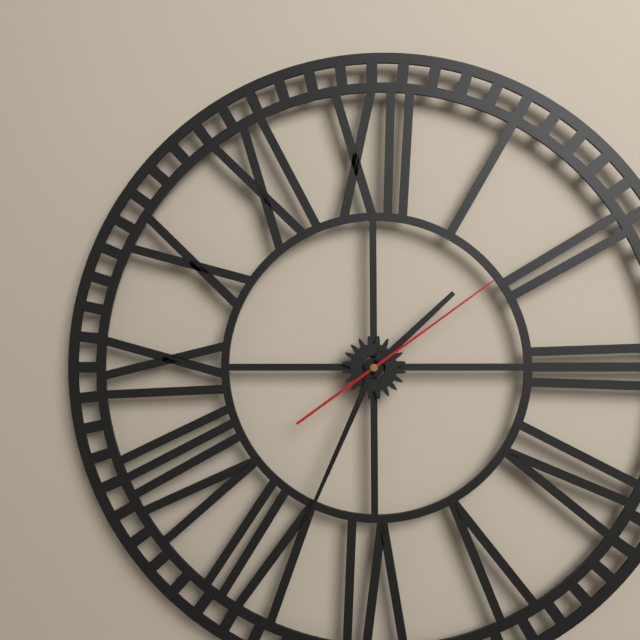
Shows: h=1 m=34 s=9
